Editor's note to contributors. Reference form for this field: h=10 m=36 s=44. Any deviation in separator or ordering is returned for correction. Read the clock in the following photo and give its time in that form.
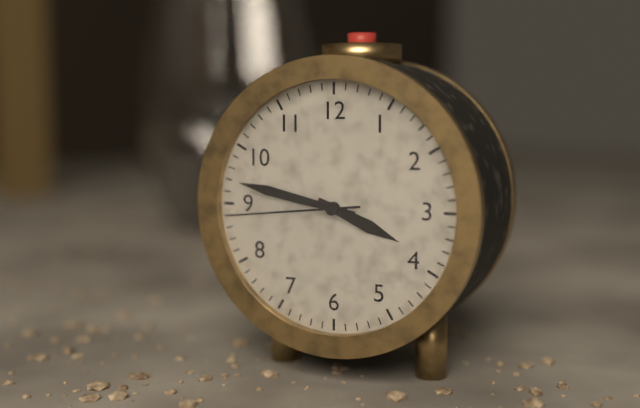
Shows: h=3 m=47 s=44
